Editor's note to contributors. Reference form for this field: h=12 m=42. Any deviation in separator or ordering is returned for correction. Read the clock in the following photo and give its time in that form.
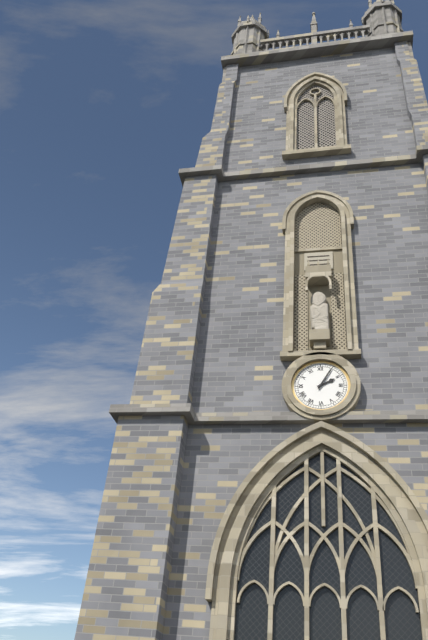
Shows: h=2 m=5
